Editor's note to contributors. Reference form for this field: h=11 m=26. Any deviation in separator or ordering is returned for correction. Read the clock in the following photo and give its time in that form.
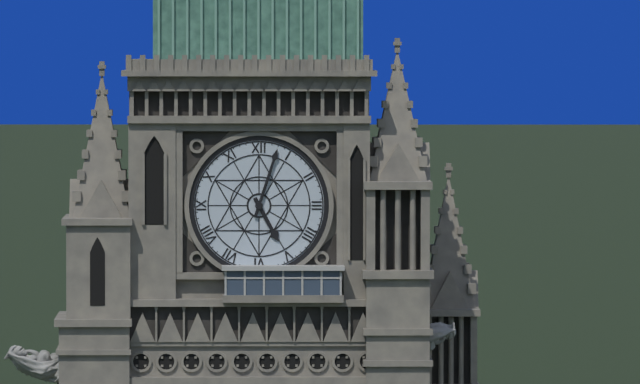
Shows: h=5 m=3
